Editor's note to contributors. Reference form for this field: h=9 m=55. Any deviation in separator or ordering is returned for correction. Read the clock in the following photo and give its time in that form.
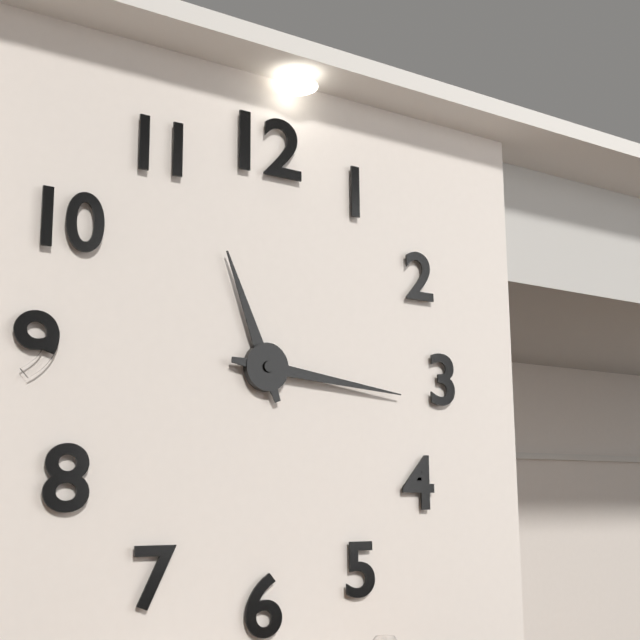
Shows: h=11 m=16
